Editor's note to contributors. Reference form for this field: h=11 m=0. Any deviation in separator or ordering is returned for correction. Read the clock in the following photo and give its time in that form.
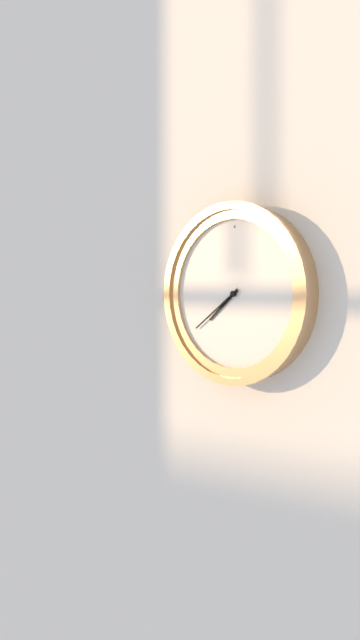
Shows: h=7 m=39
